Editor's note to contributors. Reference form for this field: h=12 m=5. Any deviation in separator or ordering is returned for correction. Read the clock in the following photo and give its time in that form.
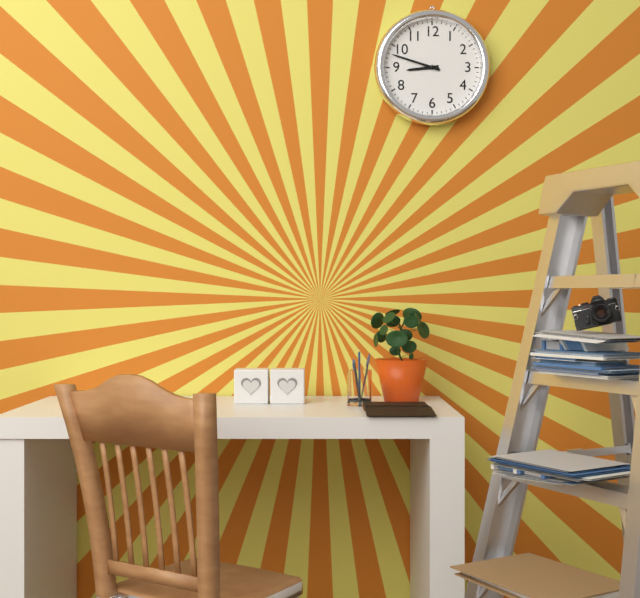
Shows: h=8 m=48
